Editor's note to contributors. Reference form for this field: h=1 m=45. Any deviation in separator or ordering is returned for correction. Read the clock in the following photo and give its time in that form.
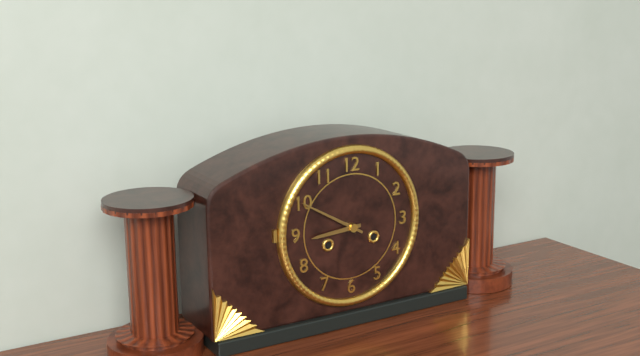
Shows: h=8 m=50
